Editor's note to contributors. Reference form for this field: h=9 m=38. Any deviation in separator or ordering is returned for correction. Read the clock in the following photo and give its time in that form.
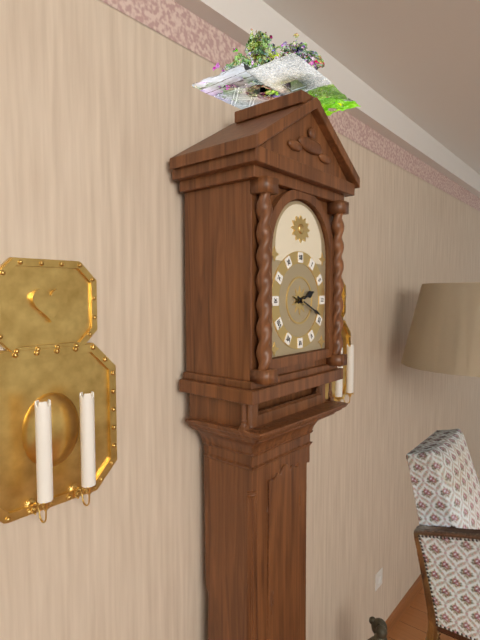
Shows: h=2 m=19
